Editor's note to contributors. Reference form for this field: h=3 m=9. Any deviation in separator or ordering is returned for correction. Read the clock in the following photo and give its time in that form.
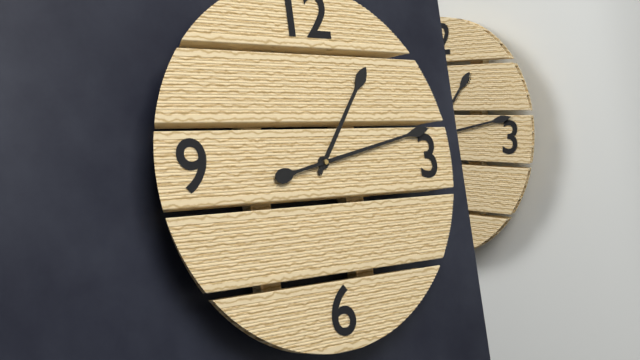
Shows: h=1 m=13
